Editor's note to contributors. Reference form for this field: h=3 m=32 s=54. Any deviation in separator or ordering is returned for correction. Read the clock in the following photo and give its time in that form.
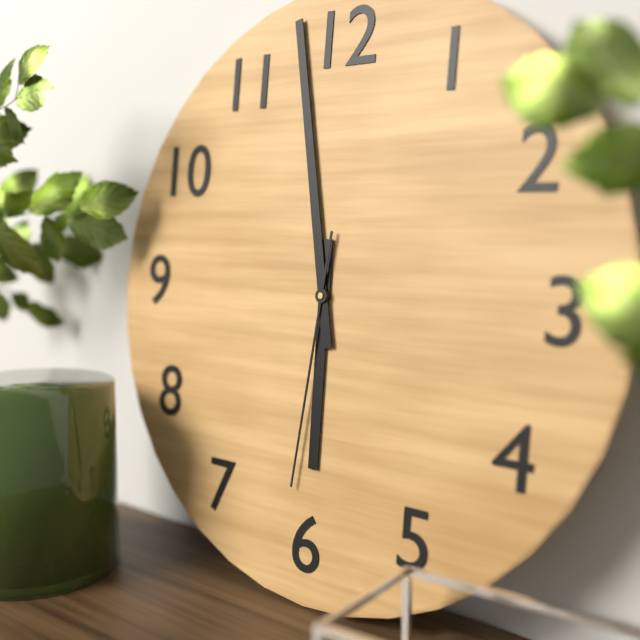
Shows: h=5 m=58 s=31
